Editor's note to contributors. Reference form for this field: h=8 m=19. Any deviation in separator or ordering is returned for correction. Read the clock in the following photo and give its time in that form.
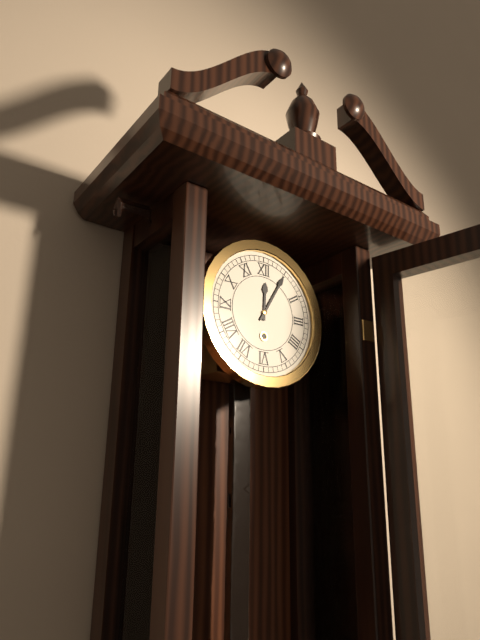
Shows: h=12 m=5
